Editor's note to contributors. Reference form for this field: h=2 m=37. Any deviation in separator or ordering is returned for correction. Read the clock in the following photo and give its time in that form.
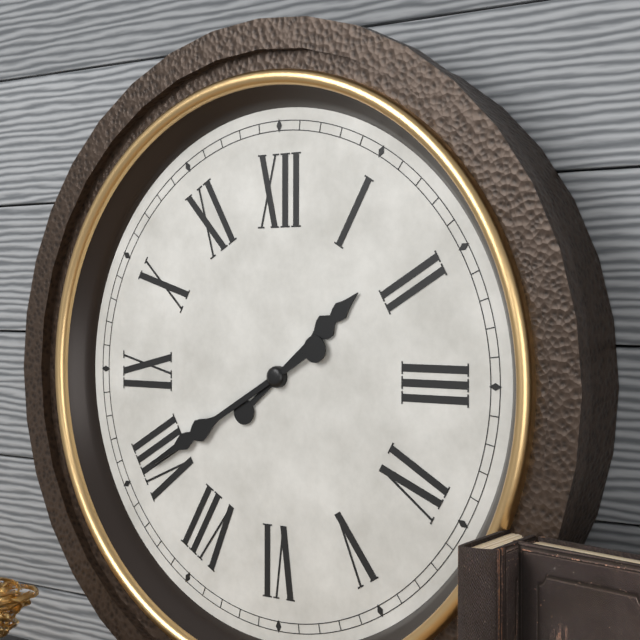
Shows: h=1 m=40
